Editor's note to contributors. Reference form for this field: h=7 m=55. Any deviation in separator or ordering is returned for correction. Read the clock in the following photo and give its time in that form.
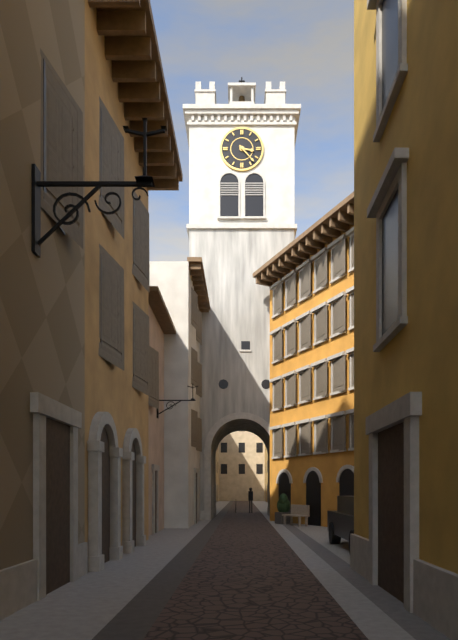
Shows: h=3 m=23
